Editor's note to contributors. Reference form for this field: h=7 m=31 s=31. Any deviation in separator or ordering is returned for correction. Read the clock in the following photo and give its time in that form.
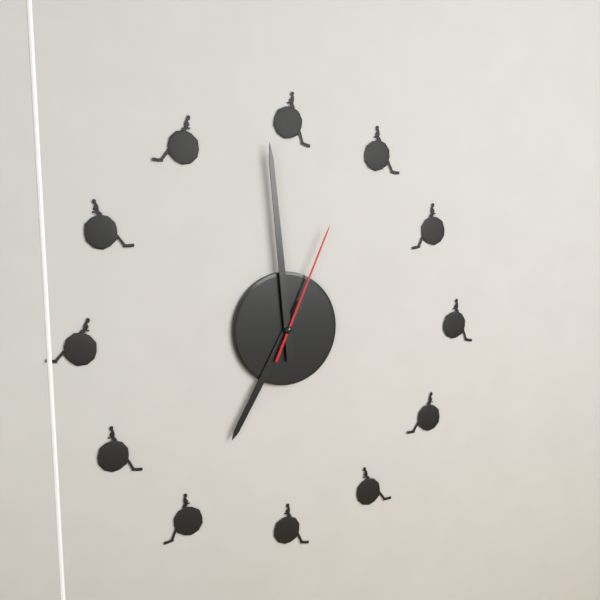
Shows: h=6 m=59 s=4
